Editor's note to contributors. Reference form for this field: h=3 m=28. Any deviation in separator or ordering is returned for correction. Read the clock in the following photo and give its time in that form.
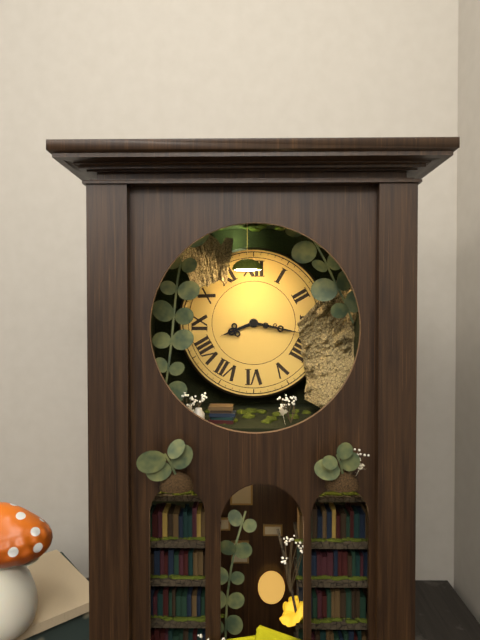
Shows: h=8 m=17
